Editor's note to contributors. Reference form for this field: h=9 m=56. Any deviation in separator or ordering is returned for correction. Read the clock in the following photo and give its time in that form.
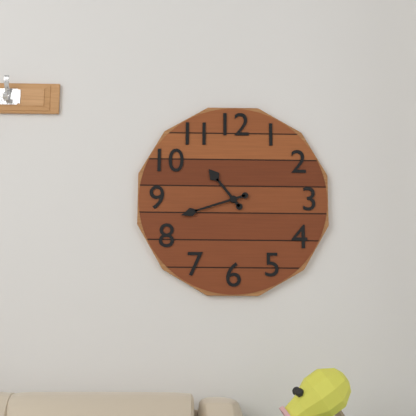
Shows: h=10 m=42
